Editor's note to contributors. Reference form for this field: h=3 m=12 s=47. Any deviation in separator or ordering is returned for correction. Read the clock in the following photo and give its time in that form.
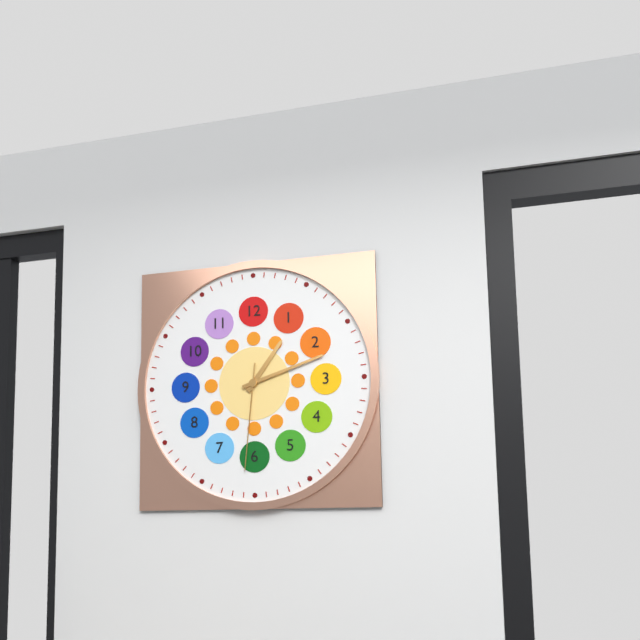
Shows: h=1 m=12 s=31
